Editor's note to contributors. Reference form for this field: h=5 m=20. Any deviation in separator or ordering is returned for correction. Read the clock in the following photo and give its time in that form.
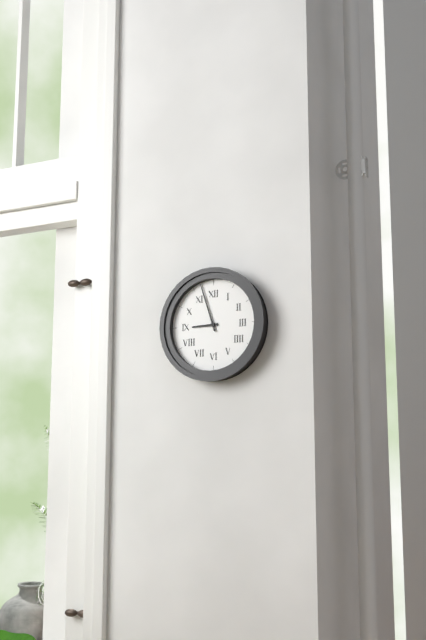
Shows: h=8 m=57
